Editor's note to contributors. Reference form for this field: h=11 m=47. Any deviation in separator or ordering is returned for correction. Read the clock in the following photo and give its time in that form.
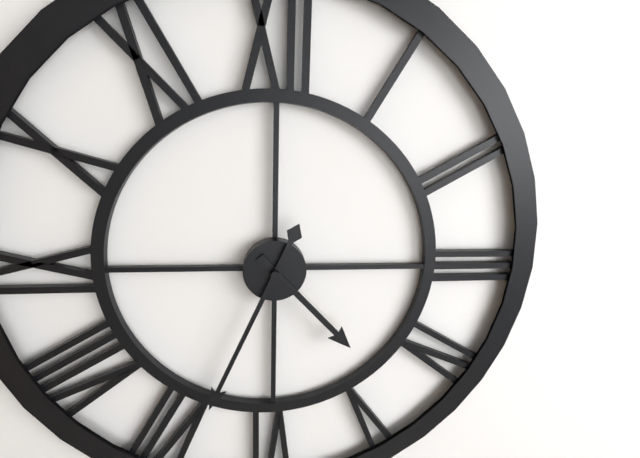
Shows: h=4 m=34
